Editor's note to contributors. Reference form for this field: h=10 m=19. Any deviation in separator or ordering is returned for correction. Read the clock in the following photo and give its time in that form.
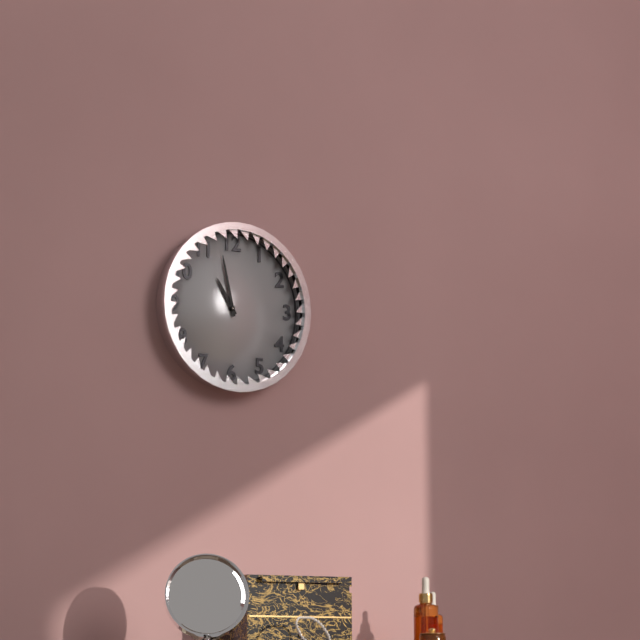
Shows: h=10 m=58
